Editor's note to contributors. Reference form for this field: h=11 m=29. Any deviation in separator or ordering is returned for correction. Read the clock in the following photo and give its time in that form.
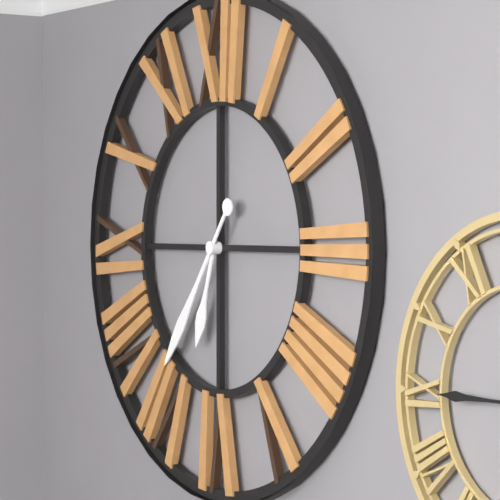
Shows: h=6 m=36
